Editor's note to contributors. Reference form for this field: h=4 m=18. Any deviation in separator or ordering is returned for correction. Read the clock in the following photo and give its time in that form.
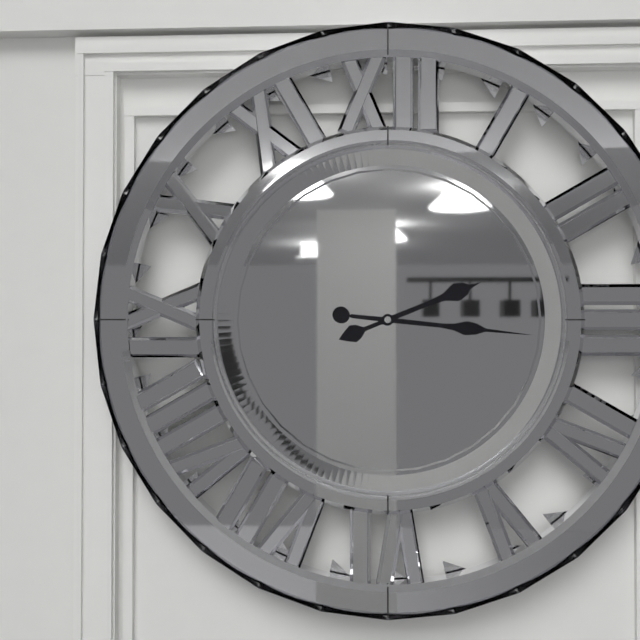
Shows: h=2 m=16
